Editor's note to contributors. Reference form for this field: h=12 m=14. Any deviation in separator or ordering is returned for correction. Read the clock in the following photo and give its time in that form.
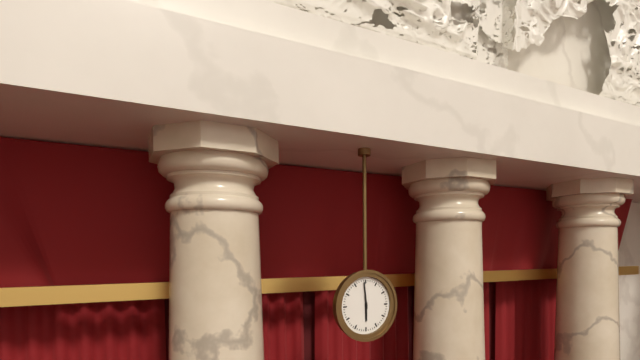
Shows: h=5 m=59
